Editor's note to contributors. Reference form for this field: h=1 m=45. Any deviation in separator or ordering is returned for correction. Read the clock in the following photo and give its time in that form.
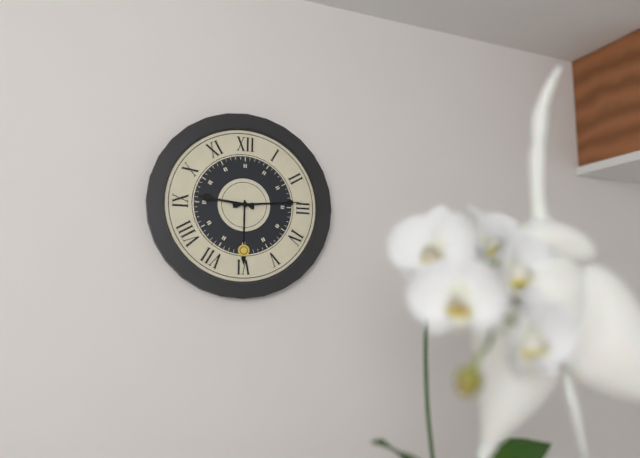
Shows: h=9 m=14
